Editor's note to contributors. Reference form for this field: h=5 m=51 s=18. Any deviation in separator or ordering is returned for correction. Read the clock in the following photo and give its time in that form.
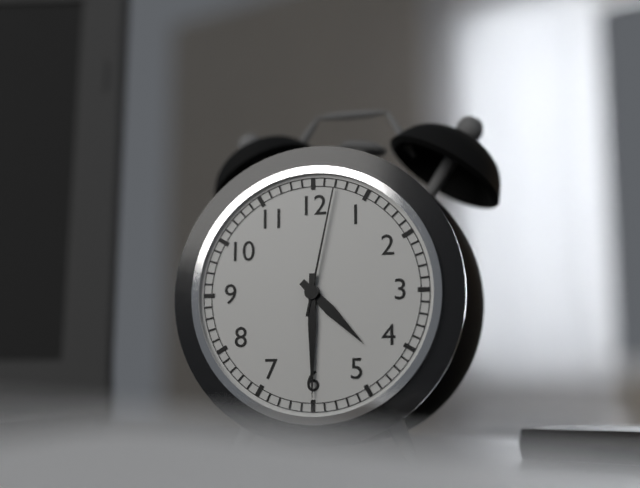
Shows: h=4 m=30 s=2
